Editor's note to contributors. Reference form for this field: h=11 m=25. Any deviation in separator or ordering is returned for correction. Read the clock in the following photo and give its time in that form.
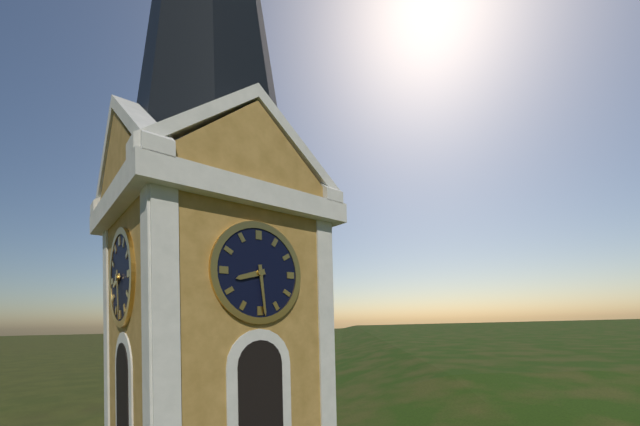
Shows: h=8 m=29
